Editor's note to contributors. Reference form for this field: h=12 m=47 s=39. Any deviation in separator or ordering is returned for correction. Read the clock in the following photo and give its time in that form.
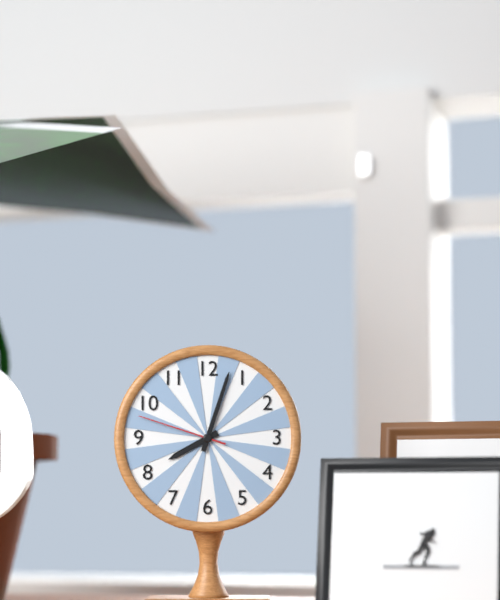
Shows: h=8 m=3 s=48
